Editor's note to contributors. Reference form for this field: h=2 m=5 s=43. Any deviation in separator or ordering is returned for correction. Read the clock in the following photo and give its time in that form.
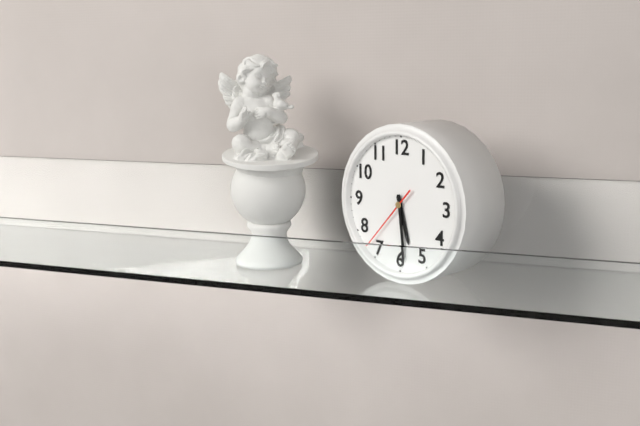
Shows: h=5 m=29 s=37
